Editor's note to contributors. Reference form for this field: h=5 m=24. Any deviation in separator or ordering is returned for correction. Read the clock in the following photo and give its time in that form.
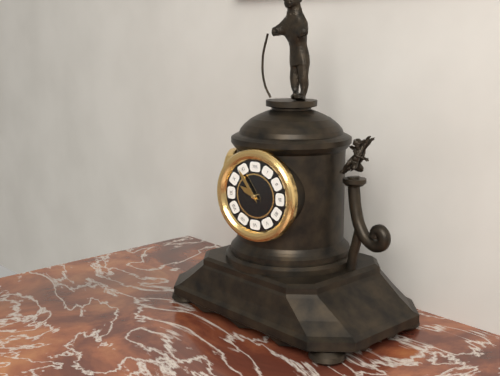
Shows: h=9 m=54
